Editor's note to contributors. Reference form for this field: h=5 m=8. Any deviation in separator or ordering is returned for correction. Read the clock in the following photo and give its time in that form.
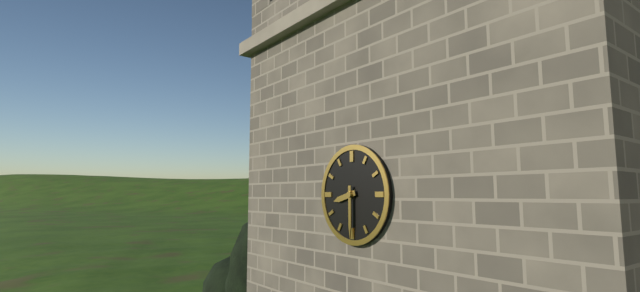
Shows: h=8 m=30
